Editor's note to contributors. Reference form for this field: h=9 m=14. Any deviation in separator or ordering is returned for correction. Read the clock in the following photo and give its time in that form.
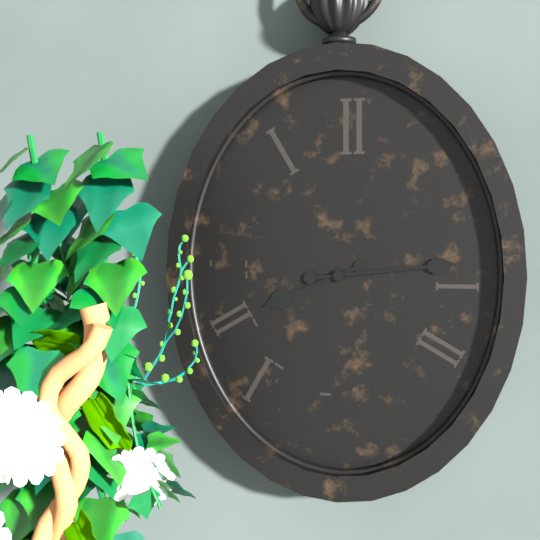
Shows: h=8 m=14
